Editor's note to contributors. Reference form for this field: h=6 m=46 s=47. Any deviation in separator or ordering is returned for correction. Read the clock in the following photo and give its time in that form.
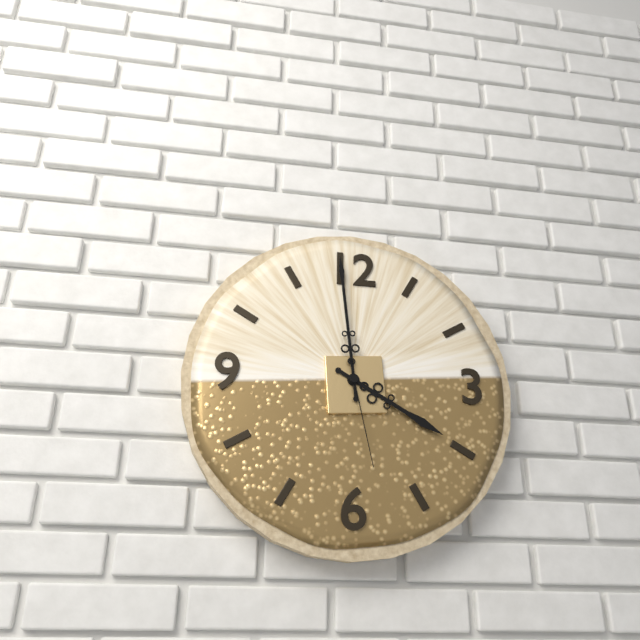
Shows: h=3 m=59 s=28
